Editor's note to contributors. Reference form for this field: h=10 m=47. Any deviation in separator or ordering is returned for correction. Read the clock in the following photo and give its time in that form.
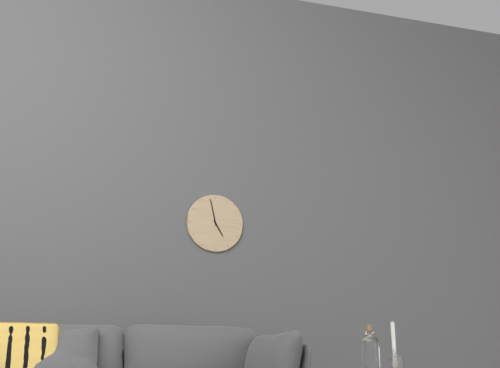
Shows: h=4 m=58
